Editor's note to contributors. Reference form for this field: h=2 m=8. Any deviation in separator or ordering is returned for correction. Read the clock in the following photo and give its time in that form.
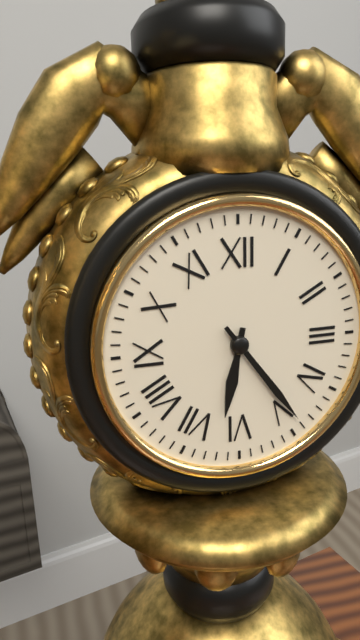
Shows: h=6 m=24
